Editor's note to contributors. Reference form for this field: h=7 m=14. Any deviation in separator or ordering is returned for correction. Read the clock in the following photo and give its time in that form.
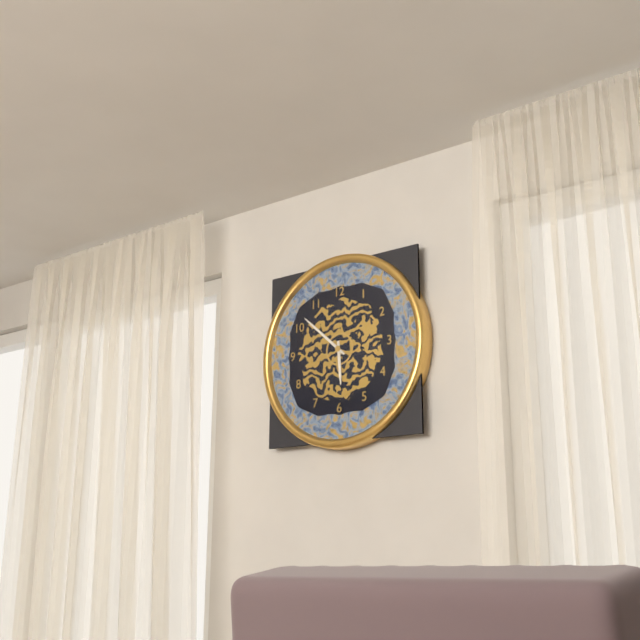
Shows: h=5 m=52
